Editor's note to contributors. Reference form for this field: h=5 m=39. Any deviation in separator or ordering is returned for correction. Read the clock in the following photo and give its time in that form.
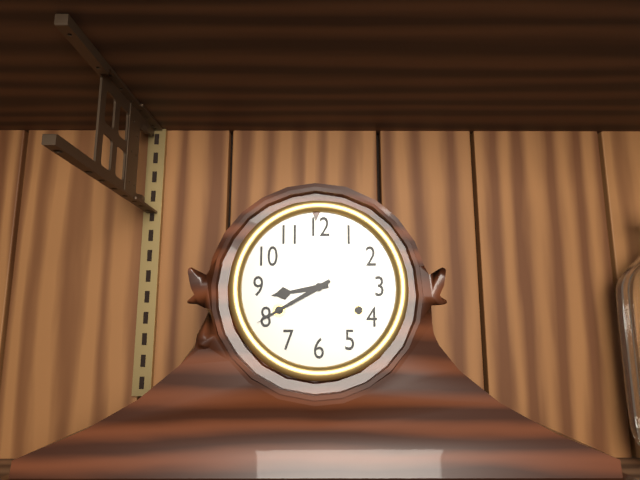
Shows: h=8 m=40
